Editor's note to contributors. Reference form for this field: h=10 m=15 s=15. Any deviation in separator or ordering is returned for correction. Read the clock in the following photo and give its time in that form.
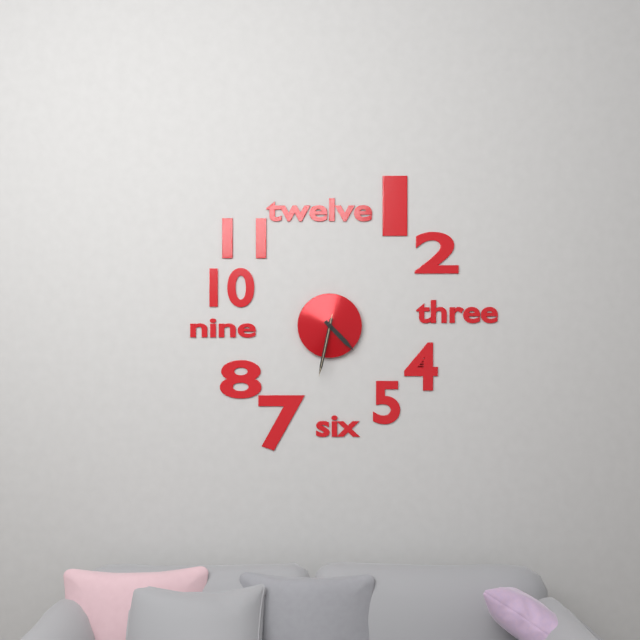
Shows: h=4 m=32 s=32
